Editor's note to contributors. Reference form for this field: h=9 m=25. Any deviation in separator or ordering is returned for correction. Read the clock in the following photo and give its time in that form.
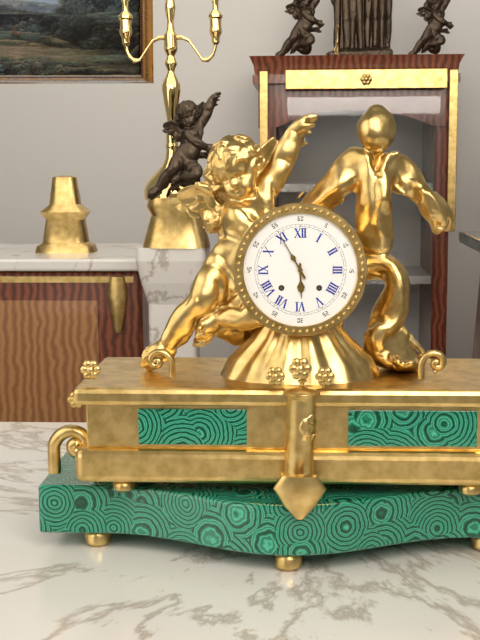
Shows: h=5 m=55
